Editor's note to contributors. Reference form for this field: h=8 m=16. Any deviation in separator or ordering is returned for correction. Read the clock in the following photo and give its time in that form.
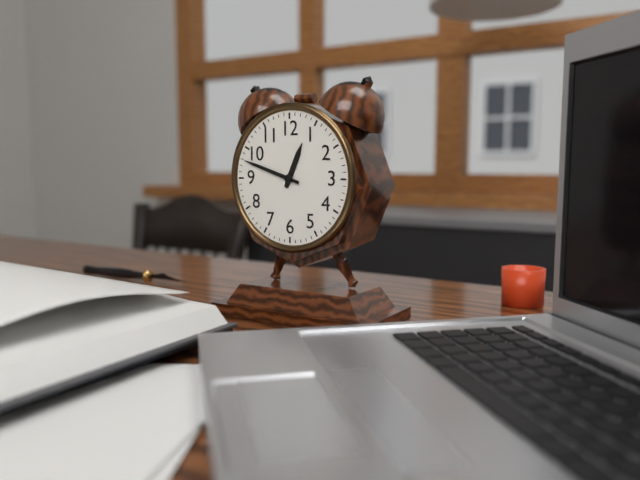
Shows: h=12 m=48
